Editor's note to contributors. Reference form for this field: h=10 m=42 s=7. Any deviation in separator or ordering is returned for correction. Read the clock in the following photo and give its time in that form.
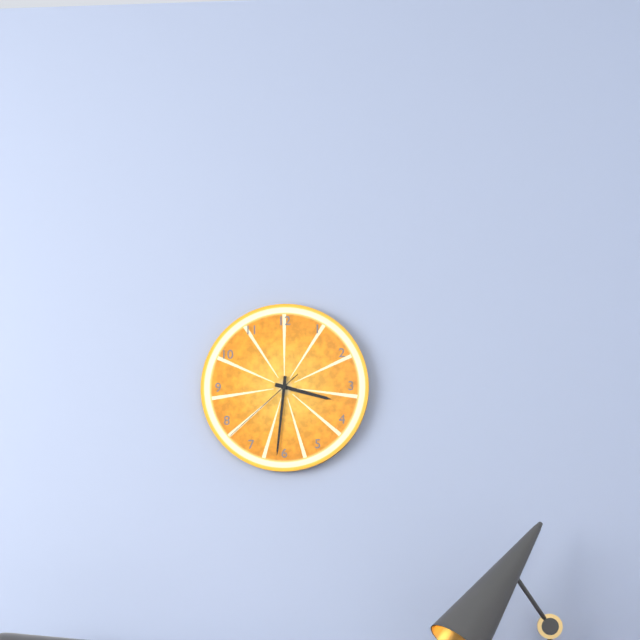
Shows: h=3 m=31 s=38
